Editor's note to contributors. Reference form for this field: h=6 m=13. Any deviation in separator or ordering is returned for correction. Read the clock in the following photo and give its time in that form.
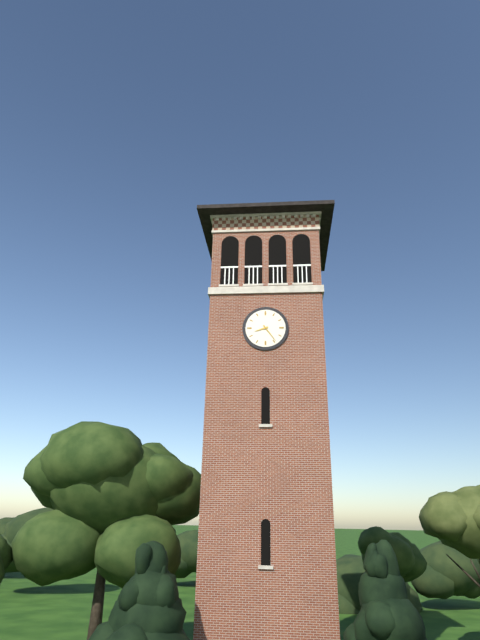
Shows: h=8 m=24
